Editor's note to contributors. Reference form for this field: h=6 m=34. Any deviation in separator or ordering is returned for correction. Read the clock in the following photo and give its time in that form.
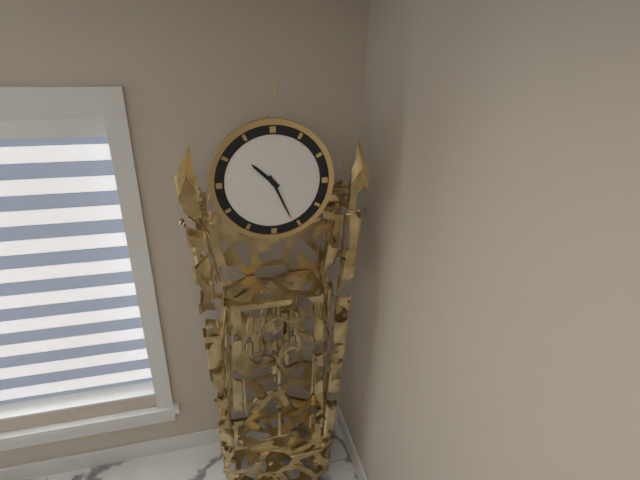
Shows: h=10 m=26
